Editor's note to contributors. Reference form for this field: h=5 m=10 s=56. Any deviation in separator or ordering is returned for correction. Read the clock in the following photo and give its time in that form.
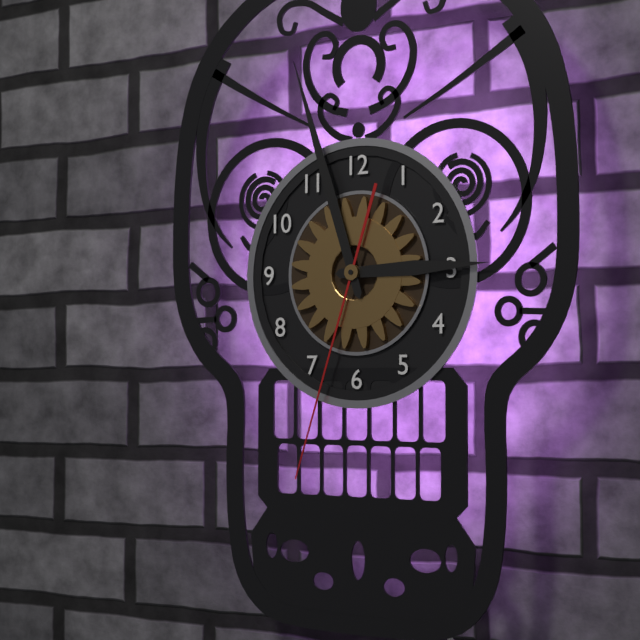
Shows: h=2 m=57 s=33
